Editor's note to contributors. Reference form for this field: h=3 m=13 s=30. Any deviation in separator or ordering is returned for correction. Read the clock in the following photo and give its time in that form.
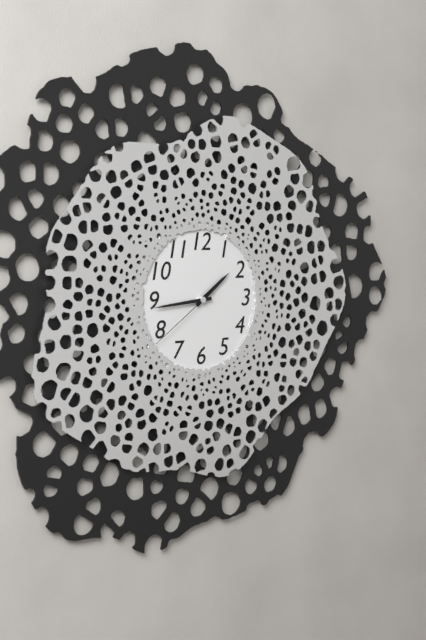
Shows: h=1 m=44 s=39
